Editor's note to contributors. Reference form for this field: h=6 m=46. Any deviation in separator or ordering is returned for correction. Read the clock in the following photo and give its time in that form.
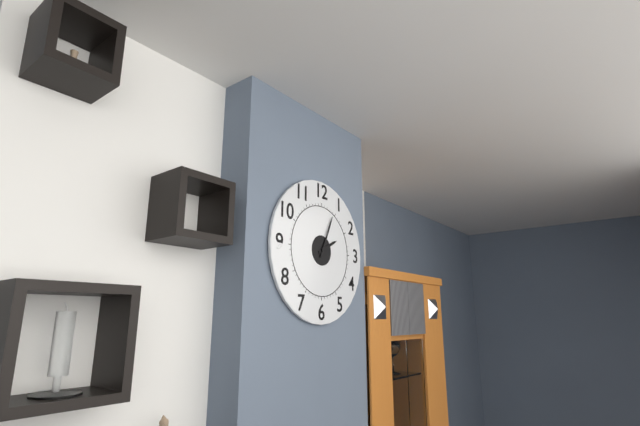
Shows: h=2 m=4
